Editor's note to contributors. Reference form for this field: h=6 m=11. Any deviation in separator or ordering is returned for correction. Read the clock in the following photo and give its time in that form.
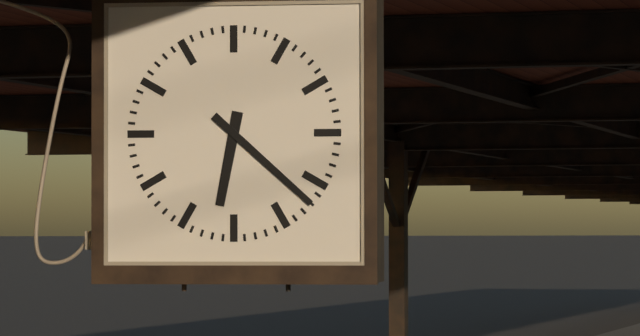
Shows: h=6 m=22
